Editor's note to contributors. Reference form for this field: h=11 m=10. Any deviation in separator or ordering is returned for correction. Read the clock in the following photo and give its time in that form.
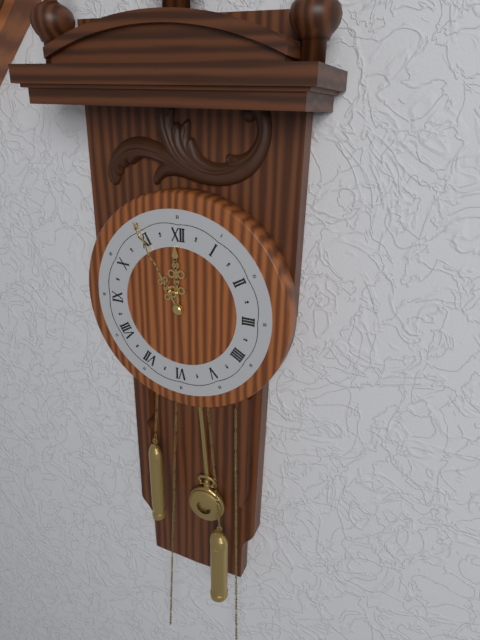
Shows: h=11 m=55
